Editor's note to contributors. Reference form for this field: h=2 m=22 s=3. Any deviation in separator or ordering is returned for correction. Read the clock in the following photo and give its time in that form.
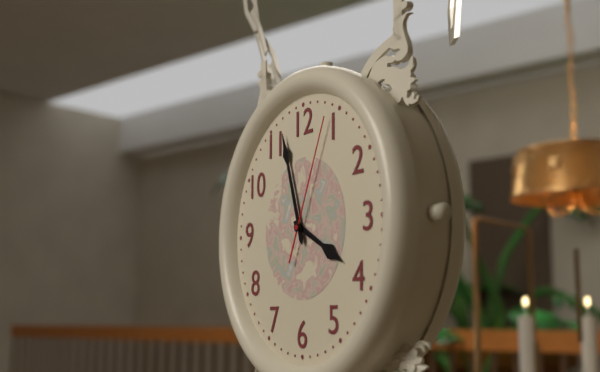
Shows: h=3 m=57 s=4
